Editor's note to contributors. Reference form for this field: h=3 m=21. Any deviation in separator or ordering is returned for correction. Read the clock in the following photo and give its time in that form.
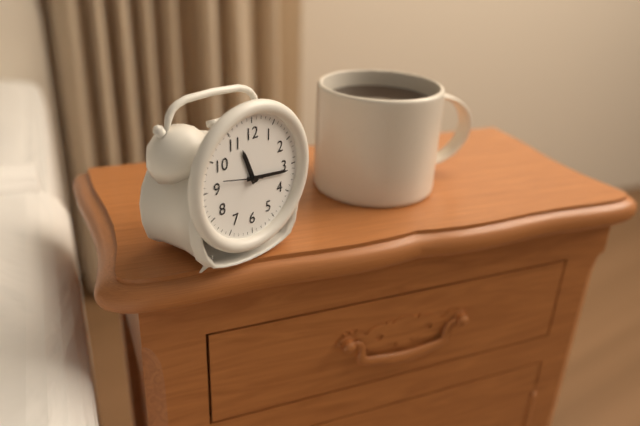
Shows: h=11 m=16
